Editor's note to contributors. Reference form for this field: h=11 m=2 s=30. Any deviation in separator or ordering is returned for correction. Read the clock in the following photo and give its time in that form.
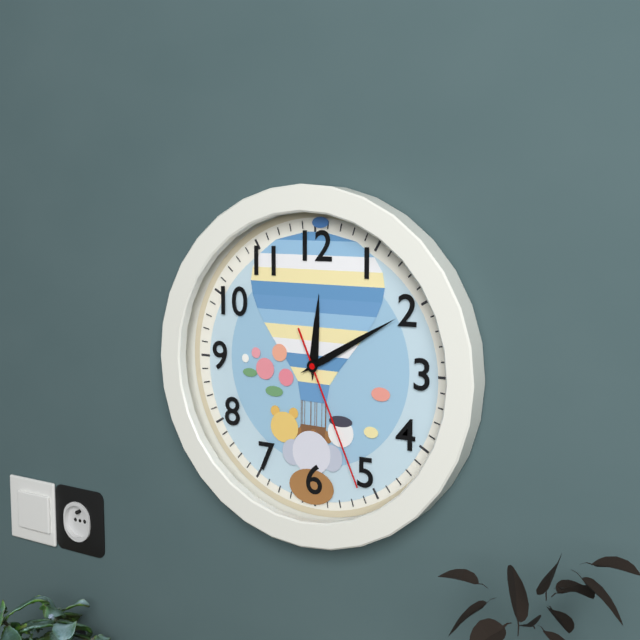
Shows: h=12 m=10 s=26
